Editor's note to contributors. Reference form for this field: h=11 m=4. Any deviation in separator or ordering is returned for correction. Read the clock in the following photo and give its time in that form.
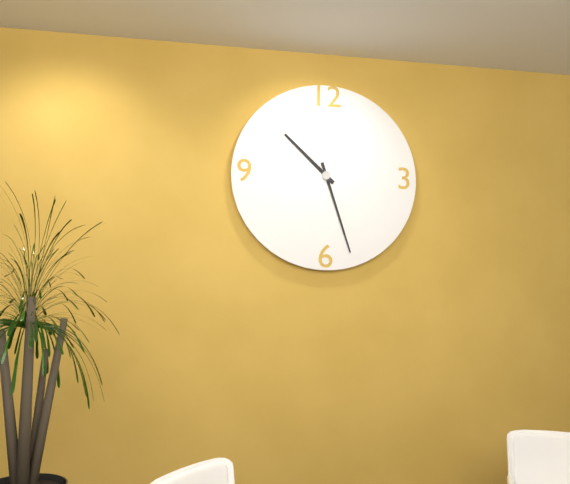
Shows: h=10 m=27
